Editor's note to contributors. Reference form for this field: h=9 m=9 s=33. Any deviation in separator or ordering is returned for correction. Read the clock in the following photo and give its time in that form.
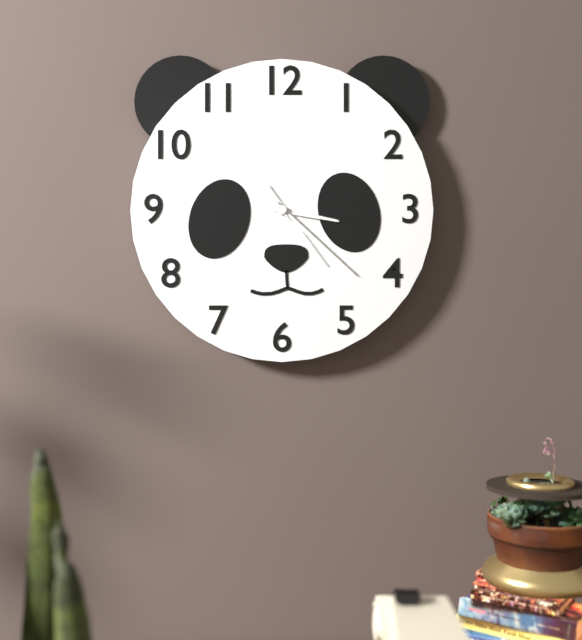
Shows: h=3 m=22 s=24
